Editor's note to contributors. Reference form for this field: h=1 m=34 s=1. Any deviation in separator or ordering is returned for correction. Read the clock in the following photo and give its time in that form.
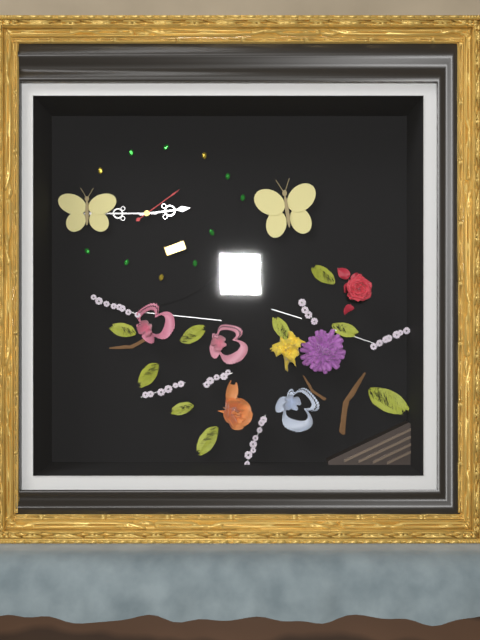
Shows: h=2 m=45 s=9
